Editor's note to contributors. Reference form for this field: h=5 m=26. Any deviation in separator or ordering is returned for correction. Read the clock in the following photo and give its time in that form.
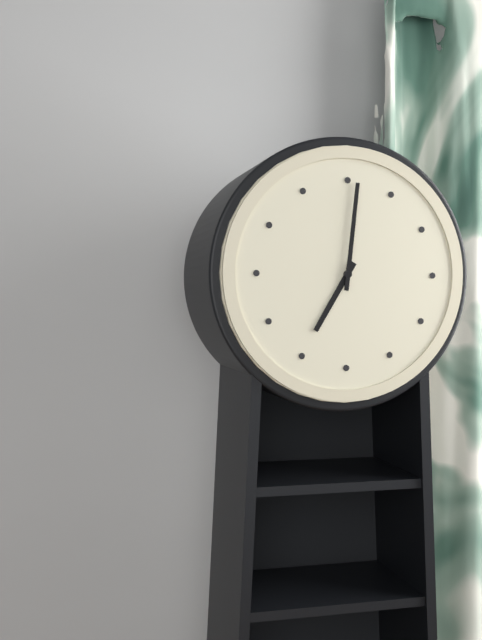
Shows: h=7 m=1
